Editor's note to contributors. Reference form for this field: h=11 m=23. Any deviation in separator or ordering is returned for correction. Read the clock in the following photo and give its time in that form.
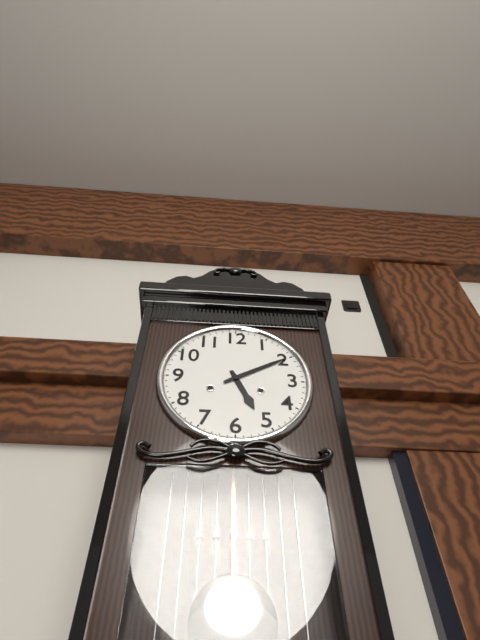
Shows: h=5 m=10
